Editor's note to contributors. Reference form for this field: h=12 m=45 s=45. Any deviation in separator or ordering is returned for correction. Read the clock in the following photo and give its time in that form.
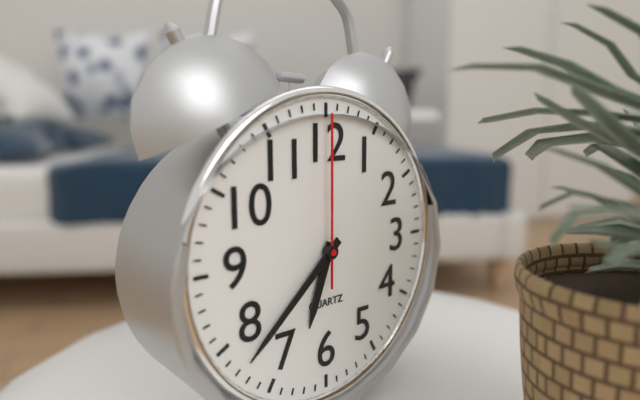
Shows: h=6 m=38 s=0
